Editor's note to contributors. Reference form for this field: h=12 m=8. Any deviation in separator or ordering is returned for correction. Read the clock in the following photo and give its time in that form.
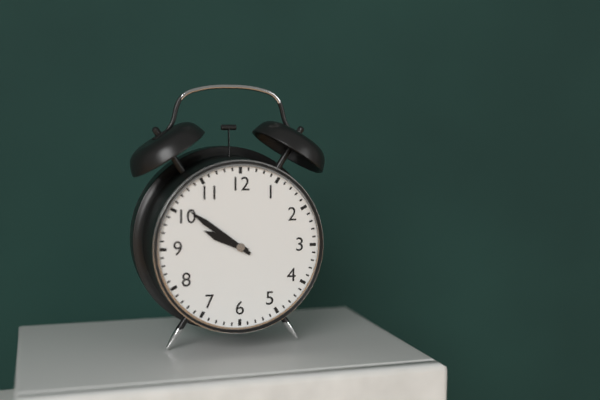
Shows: h=9 m=51
